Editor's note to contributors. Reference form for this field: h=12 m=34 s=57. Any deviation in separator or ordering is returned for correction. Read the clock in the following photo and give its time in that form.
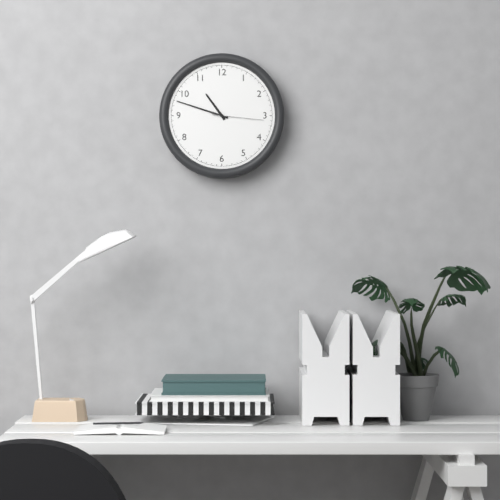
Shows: h=10 m=48 s=16
